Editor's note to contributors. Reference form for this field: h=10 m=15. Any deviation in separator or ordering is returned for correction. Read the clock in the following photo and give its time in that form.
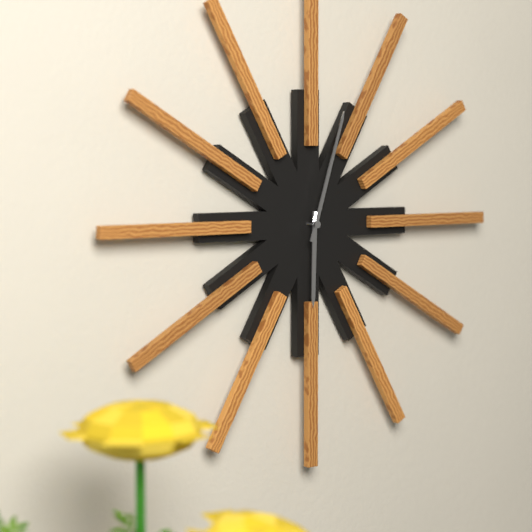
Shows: h=6 m=3
